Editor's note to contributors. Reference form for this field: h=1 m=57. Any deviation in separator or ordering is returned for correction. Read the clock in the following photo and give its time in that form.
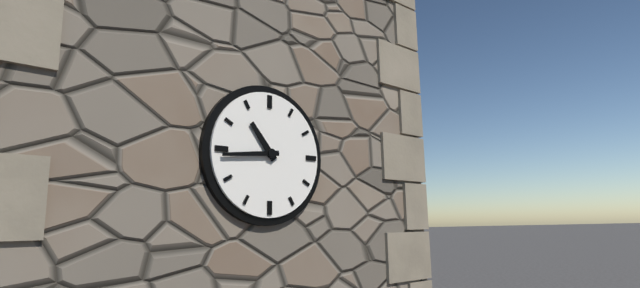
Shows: h=10 m=44
